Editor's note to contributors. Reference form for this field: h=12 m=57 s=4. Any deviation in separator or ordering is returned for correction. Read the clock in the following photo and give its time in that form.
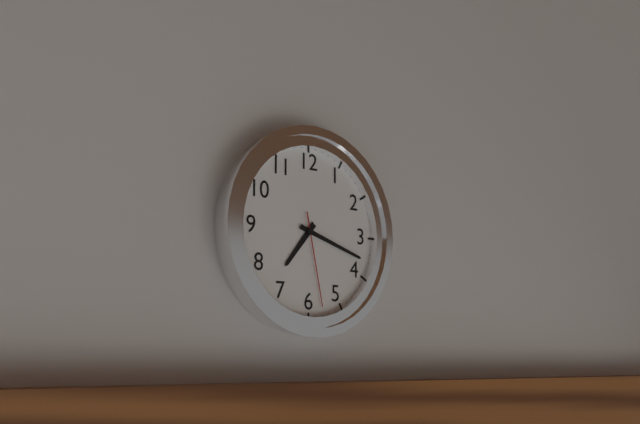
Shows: h=7 m=18 s=28
